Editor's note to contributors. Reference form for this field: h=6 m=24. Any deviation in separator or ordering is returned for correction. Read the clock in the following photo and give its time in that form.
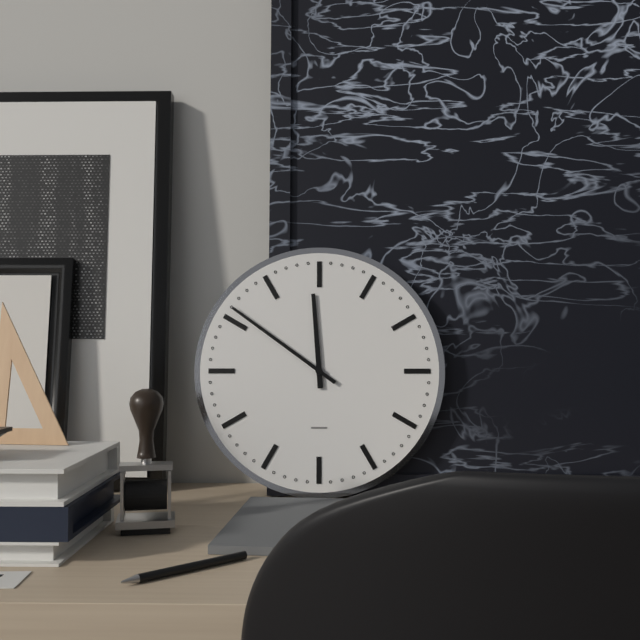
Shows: h=11 m=51
